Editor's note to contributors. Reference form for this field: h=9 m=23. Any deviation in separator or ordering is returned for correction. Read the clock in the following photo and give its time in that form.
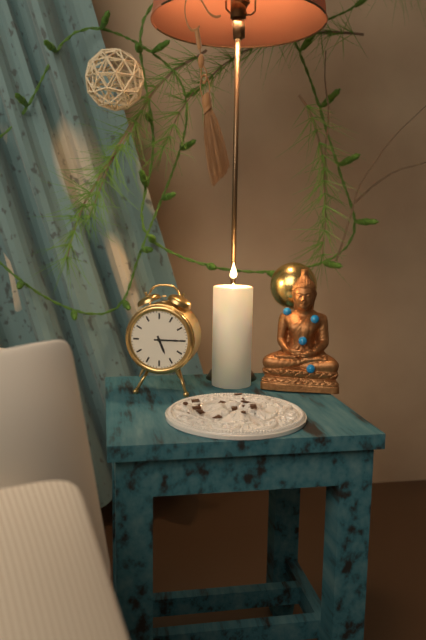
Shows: h=5 m=15
